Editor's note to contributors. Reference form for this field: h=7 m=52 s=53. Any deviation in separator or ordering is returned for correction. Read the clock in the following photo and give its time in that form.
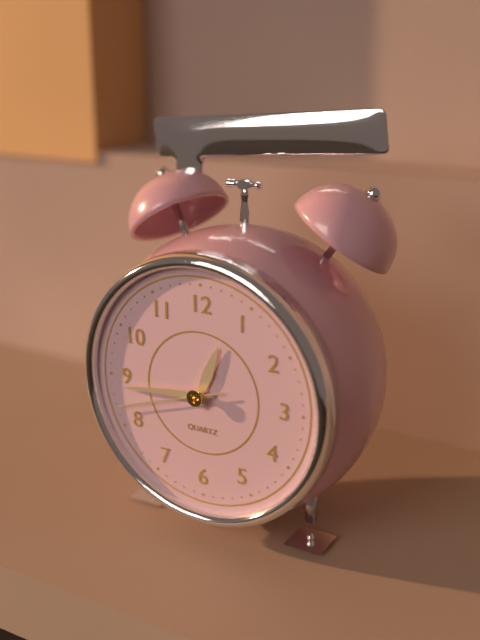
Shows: h=12 m=44 s=42
